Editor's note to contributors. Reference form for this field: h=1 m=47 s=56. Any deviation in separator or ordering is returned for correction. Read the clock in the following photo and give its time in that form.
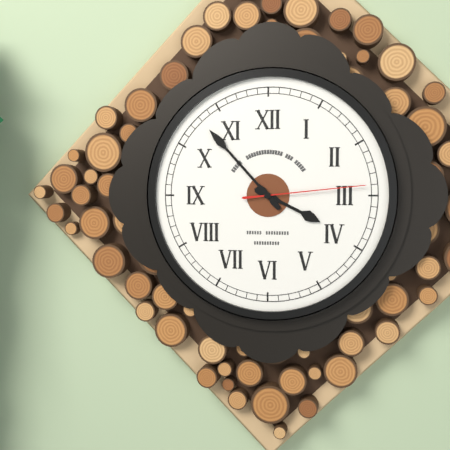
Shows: h=3 m=53 s=14
